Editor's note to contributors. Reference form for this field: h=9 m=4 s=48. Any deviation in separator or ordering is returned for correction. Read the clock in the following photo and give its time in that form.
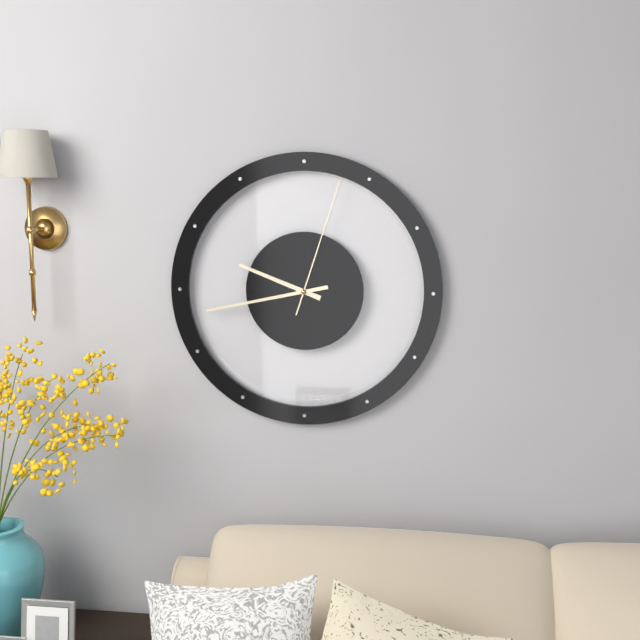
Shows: h=9 m=43 s=3
